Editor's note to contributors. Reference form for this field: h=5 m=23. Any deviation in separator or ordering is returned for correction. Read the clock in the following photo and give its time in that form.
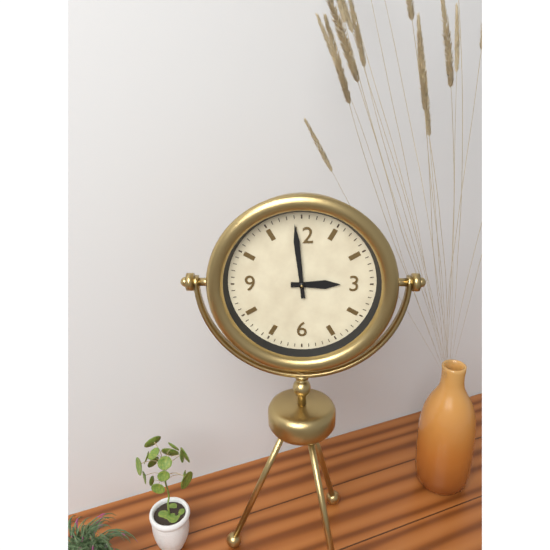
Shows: h=2 m=59
